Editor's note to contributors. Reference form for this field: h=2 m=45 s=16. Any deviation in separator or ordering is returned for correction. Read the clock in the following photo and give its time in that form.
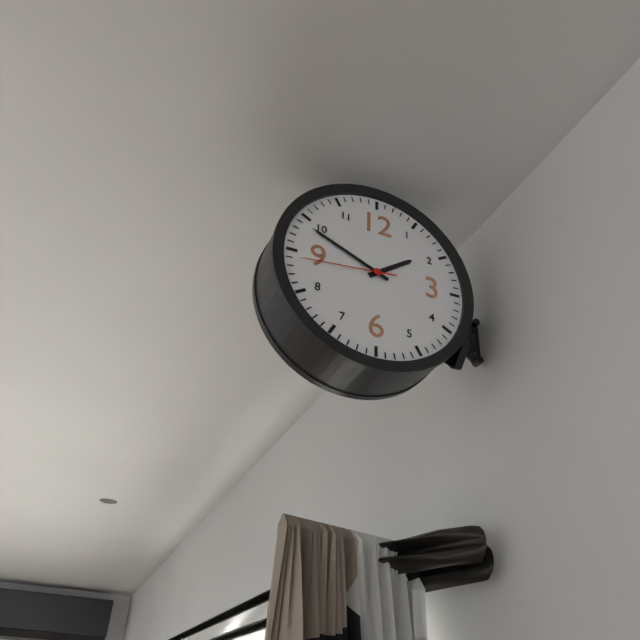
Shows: h=1 m=49 s=44
